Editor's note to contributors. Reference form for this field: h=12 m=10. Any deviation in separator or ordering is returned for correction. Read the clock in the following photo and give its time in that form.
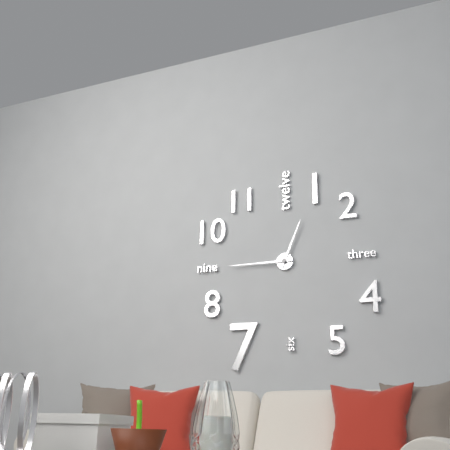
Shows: h=12 m=45
